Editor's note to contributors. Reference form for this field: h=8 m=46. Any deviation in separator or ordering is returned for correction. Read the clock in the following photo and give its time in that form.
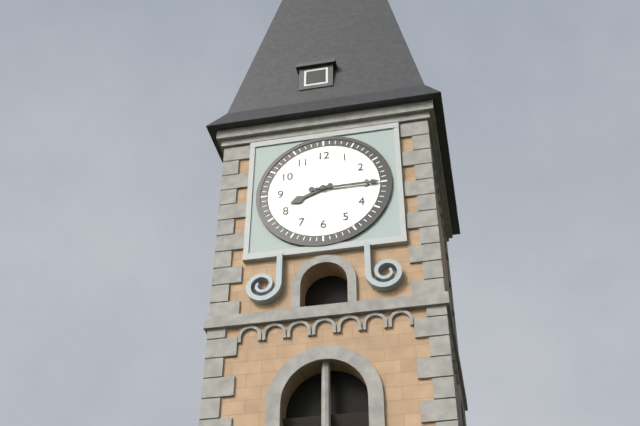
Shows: h=8 m=15
